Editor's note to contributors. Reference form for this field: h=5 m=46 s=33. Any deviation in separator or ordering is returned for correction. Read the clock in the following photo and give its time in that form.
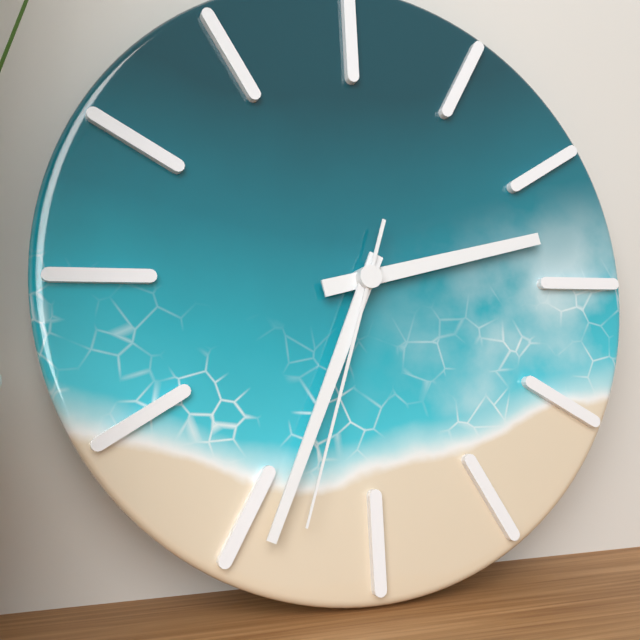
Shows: h=2 m=34 s=33
